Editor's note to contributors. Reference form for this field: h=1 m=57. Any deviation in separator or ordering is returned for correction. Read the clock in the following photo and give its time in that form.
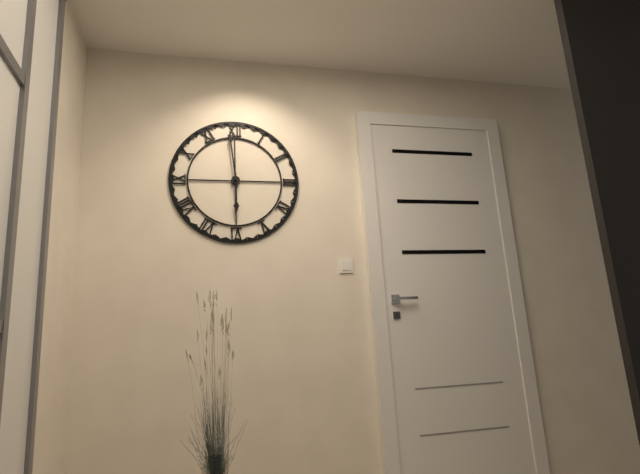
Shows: h=5 m=59
